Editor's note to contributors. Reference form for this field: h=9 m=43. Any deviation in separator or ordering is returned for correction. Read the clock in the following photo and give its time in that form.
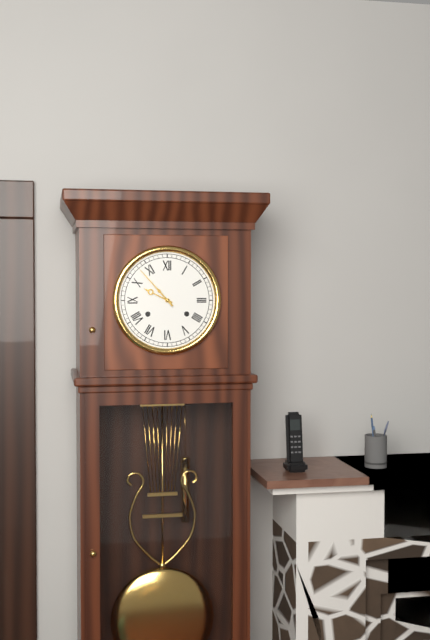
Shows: h=9 m=53
